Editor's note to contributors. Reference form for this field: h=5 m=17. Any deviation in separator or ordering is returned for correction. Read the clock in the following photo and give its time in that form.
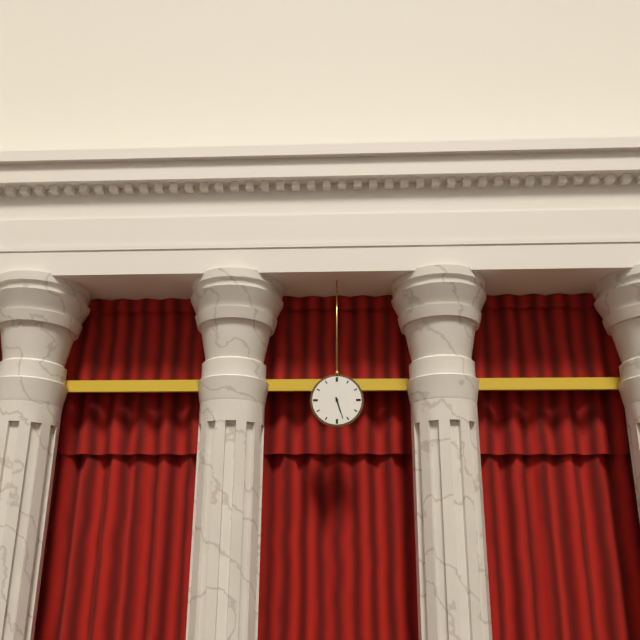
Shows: h=5 m=27
